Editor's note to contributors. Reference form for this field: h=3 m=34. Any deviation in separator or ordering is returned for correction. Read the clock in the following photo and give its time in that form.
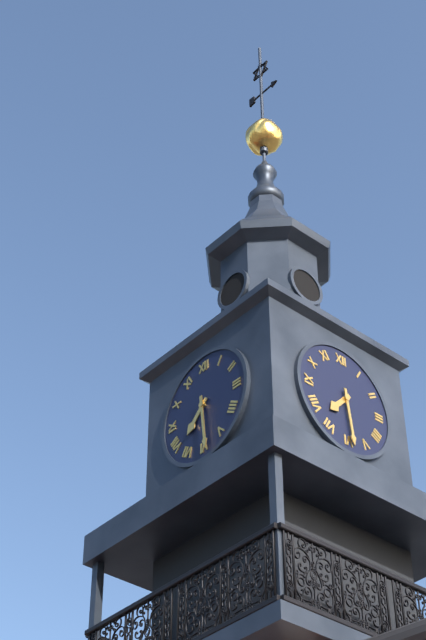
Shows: h=7 m=29
